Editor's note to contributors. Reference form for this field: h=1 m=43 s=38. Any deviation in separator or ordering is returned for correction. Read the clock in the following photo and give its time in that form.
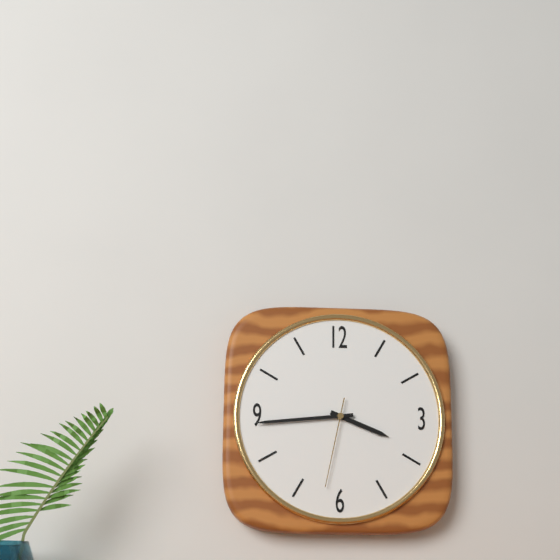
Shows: h=3 m=44 s=32
